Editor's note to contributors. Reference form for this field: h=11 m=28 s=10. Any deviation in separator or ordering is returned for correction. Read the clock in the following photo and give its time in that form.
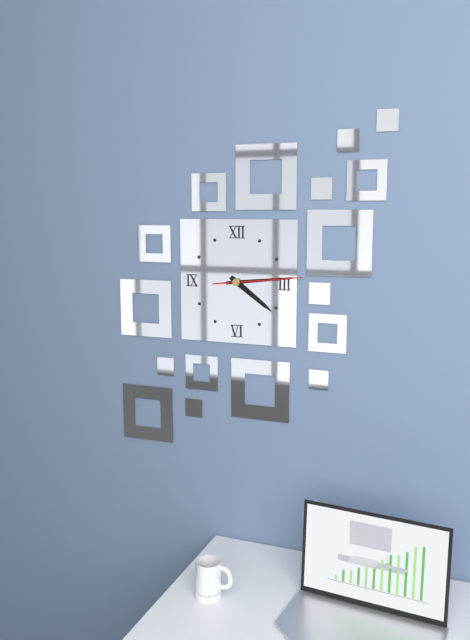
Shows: h=4 m=14 s=14
